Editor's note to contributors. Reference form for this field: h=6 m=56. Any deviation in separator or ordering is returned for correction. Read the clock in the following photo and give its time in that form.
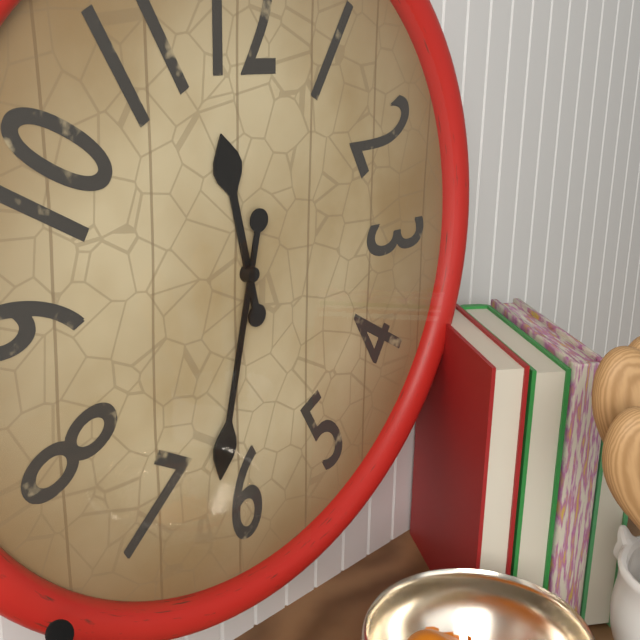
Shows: h=11 m=32
